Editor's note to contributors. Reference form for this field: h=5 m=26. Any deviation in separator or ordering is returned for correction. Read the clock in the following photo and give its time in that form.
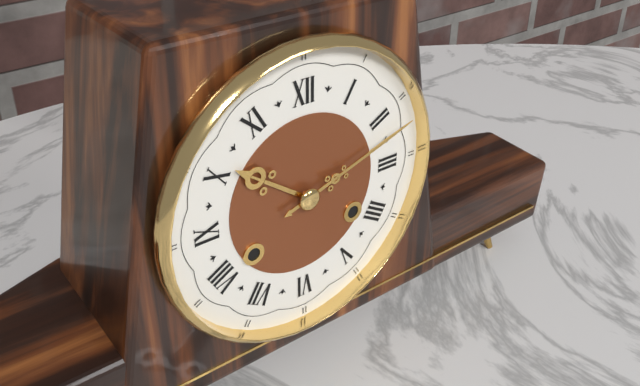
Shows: h=10 m=12
